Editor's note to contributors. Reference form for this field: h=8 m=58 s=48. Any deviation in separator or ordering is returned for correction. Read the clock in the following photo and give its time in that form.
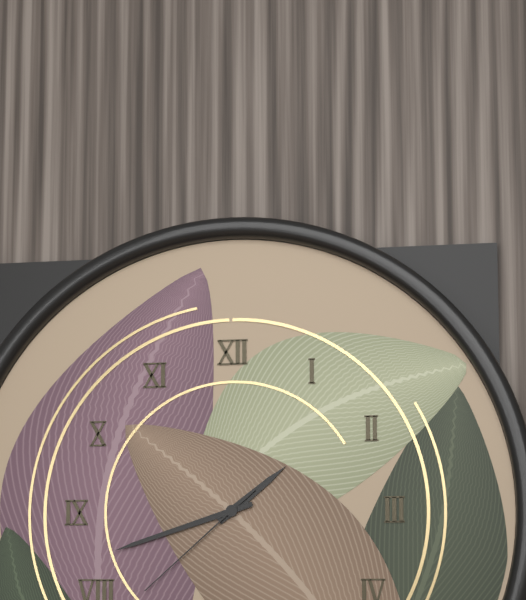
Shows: h=1 m=42 s=38
